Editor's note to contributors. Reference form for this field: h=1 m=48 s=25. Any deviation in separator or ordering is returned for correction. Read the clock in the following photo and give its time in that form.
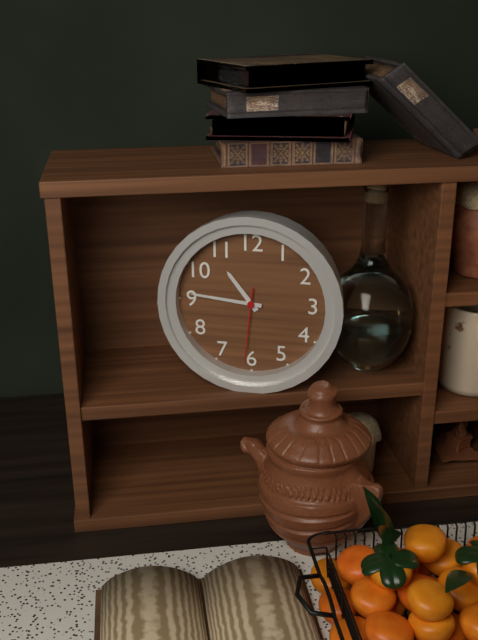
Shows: h=10 m=46 s=31
